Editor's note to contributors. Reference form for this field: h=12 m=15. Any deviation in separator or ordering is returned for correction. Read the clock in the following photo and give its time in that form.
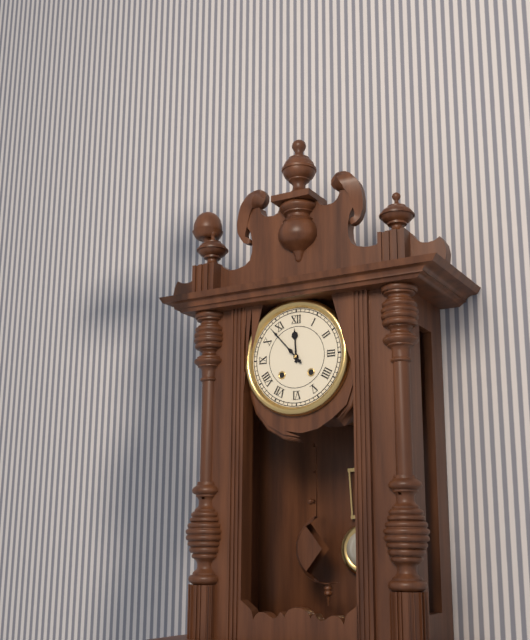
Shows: h=11 m=53
